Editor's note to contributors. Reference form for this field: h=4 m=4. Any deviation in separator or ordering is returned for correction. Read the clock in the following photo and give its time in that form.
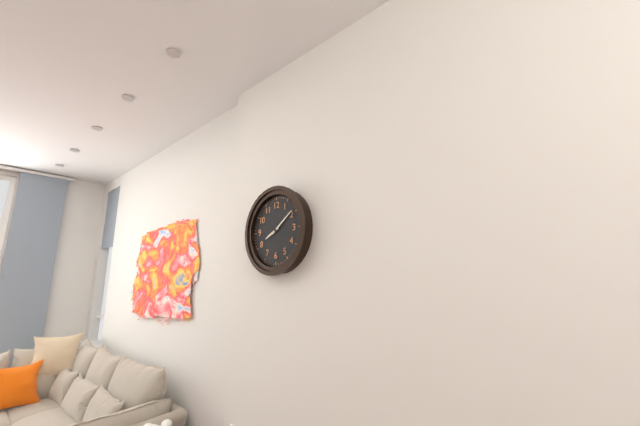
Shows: h=8 m=9
